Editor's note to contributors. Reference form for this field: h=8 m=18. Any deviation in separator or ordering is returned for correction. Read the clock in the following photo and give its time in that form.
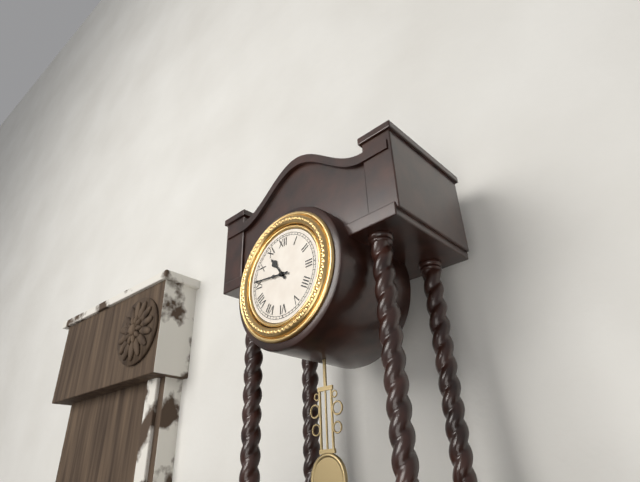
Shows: h=10 m=46
